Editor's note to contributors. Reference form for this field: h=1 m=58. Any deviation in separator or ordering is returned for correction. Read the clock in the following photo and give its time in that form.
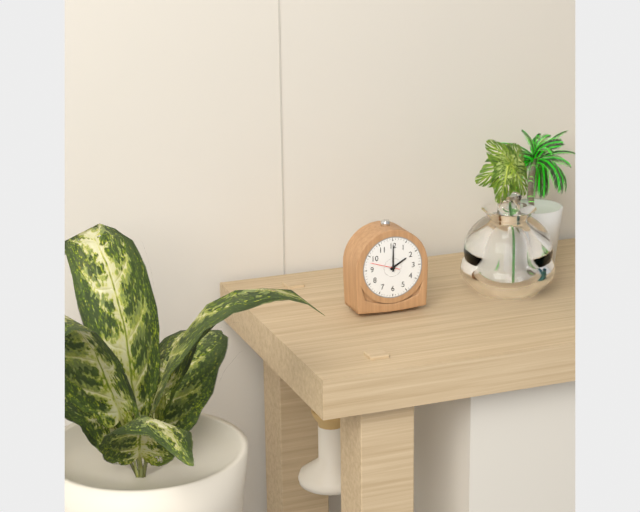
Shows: h=2 m=0
